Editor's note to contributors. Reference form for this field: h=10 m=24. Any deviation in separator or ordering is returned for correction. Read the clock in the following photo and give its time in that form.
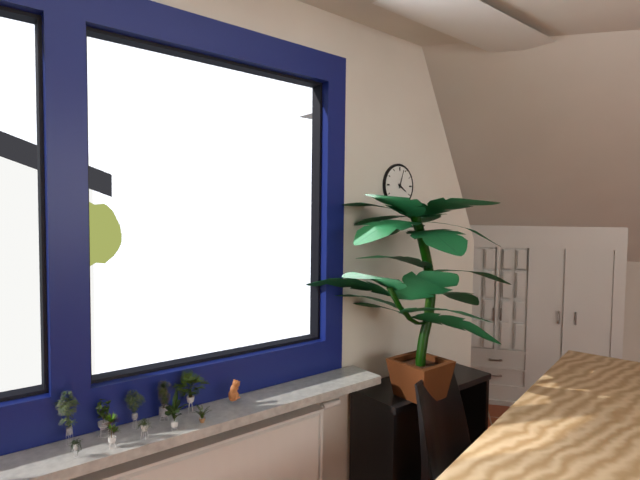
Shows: h=4 m=3
